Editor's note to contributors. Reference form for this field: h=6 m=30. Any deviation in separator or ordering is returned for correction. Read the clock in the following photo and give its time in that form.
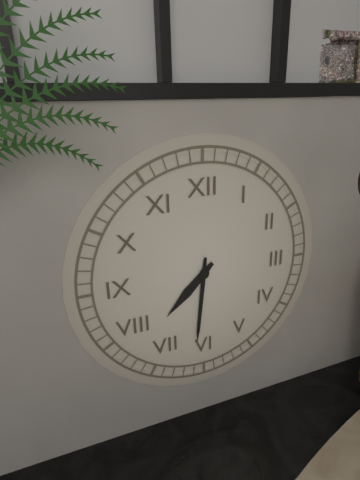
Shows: h=7 m=31
